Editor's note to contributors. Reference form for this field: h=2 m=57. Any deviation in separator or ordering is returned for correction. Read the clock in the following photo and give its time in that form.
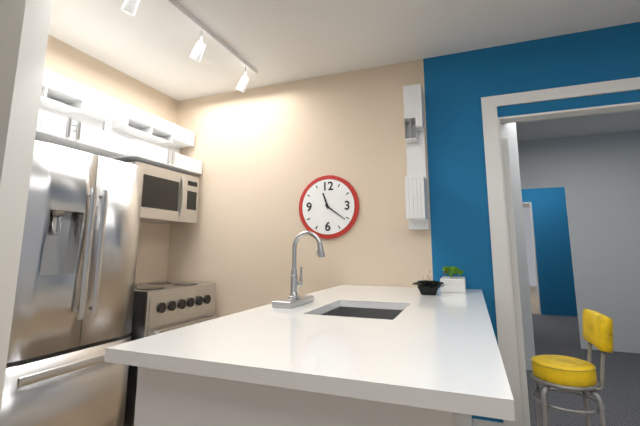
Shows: h=11 m=21
